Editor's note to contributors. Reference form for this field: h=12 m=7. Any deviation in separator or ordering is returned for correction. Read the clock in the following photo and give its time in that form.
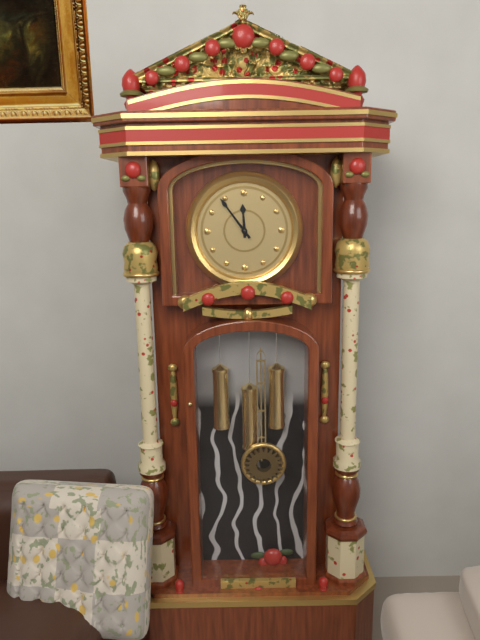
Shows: h=11 m=54
